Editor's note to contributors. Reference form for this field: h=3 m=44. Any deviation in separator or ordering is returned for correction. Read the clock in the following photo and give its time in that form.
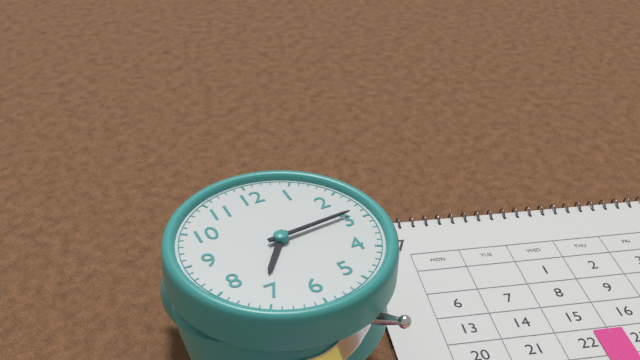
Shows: h=7 m=14
